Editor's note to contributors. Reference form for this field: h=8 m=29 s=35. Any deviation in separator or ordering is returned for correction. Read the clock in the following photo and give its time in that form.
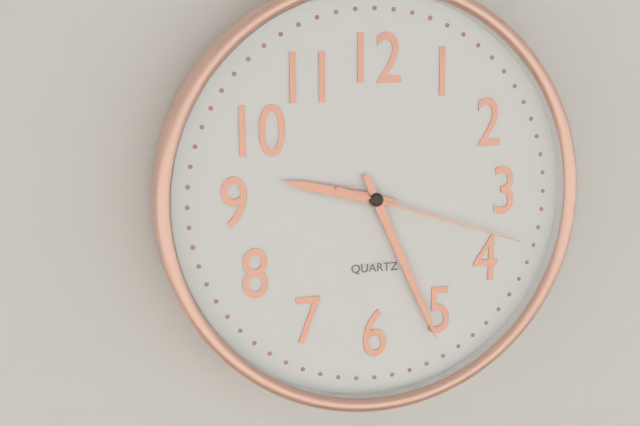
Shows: h=9 m=26 s=18
